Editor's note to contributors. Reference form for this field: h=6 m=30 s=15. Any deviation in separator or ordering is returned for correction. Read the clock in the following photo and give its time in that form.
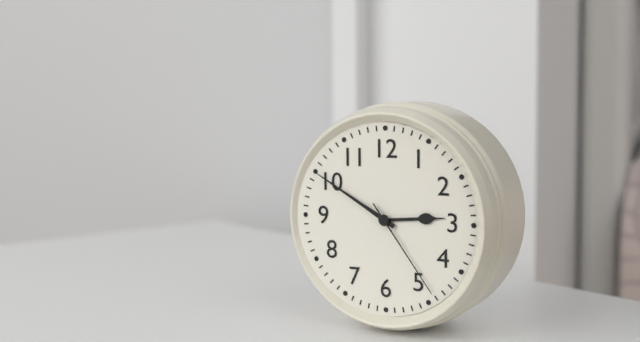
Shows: h=2 m=50 s=24
